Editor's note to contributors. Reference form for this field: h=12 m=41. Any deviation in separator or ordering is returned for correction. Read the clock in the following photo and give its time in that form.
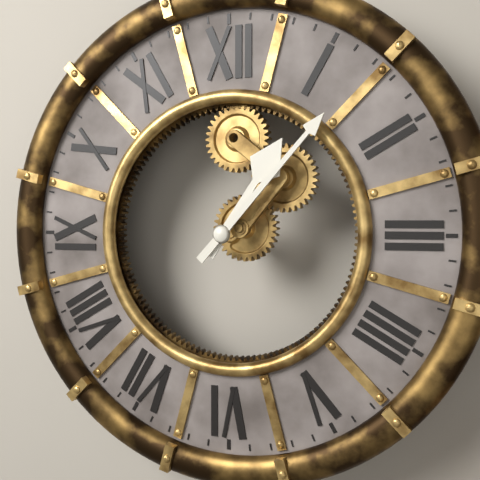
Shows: h=1 m=7
